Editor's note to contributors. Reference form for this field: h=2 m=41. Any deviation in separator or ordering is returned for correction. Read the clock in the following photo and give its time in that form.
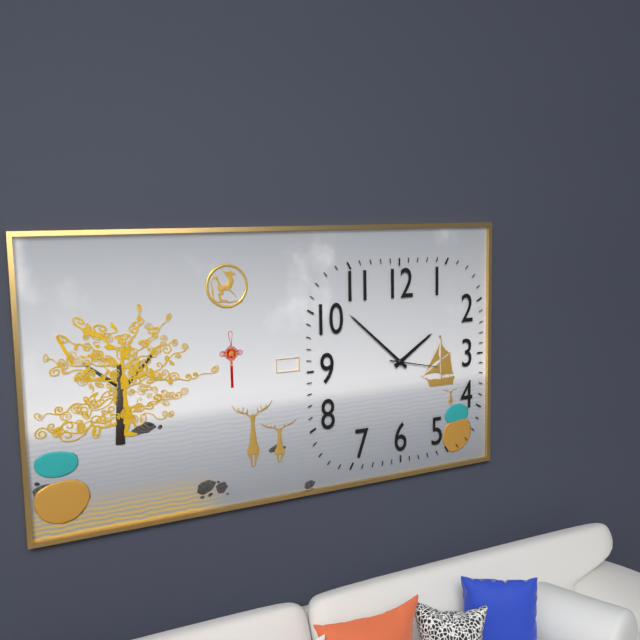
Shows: h=1 m=52
